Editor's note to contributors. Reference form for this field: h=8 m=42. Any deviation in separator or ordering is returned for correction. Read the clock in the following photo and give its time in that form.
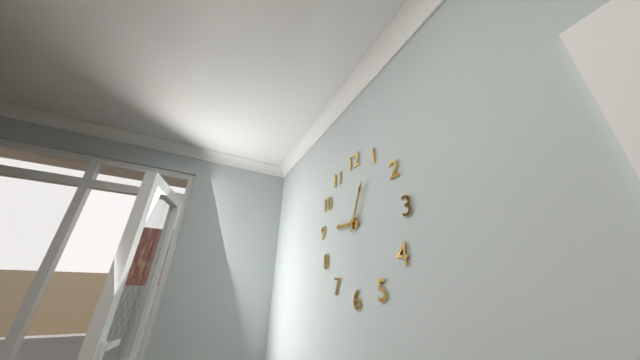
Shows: h=9 m=4
